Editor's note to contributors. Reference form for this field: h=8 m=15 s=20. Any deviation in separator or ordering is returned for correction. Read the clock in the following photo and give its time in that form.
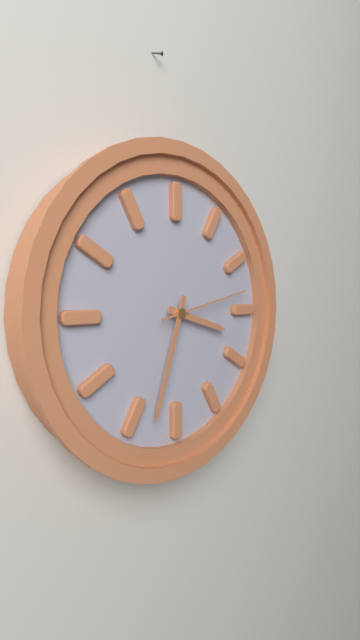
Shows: h=3 m=33 s=13
